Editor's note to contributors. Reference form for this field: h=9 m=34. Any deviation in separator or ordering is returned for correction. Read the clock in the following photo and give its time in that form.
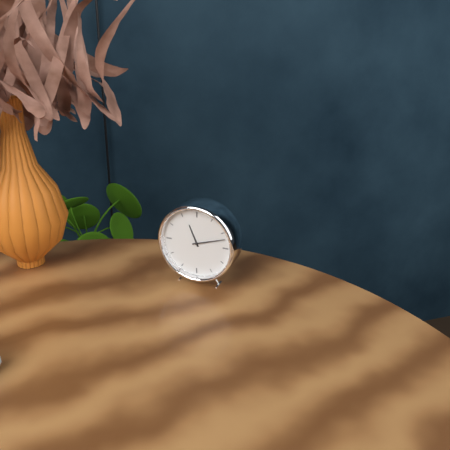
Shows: h=11 m=12
